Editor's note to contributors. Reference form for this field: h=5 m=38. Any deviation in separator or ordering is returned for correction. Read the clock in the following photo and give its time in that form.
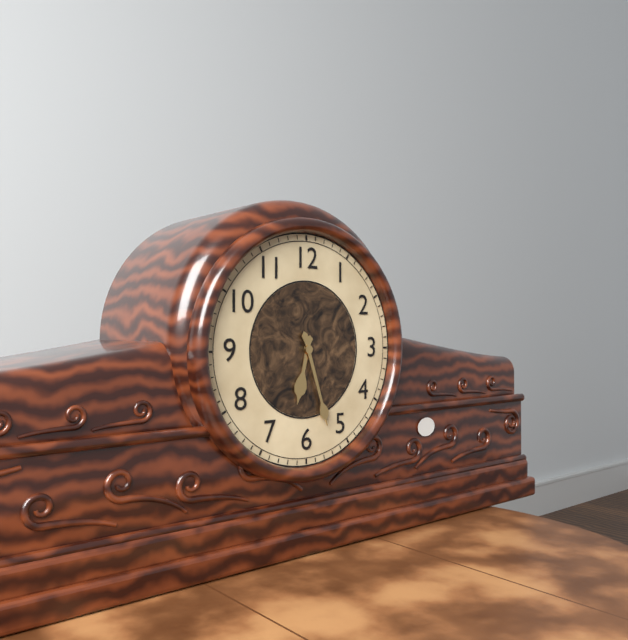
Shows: h=6 m=27
